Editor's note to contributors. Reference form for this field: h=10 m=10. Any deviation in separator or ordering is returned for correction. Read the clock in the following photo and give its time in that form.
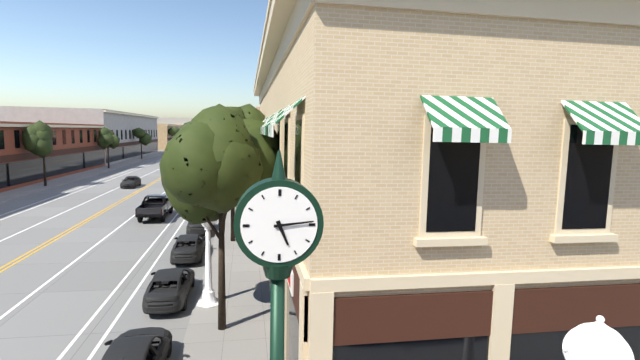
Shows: h=5 m=14
